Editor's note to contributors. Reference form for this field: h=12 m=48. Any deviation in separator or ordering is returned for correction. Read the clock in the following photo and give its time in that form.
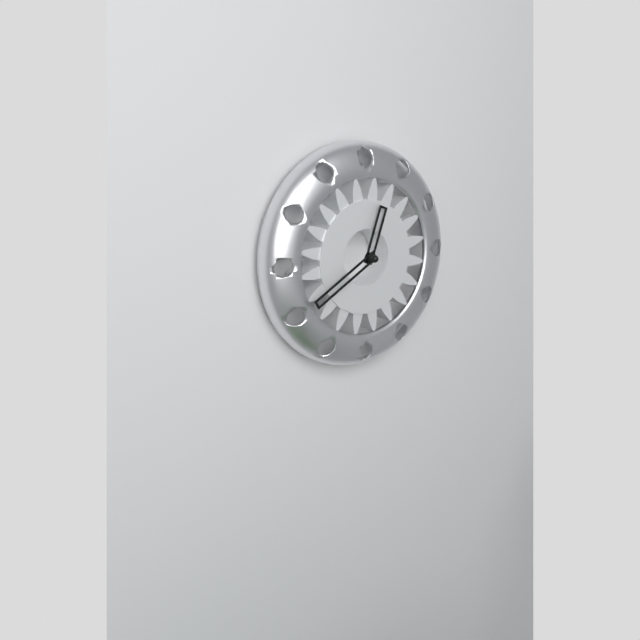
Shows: h=12 m=40
